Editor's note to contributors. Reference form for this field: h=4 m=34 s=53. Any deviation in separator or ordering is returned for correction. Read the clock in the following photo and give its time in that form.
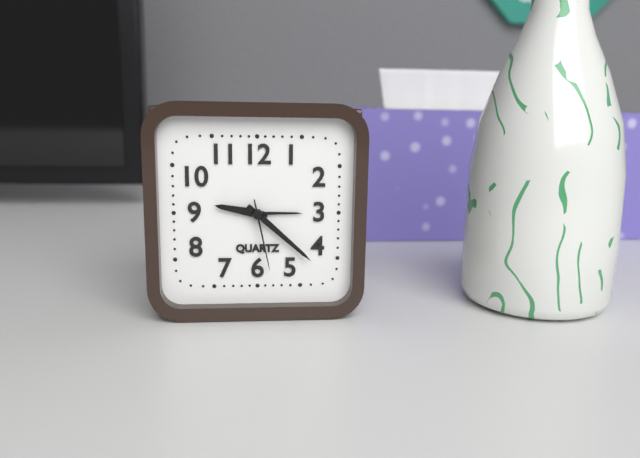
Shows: h=9 m=22 s=28
